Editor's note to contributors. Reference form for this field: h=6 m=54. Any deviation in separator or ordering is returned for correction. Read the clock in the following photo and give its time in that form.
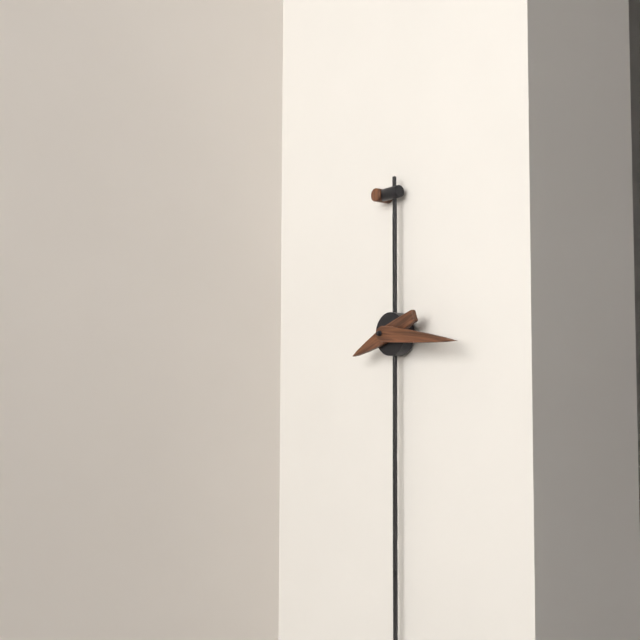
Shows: h=8 m=16
